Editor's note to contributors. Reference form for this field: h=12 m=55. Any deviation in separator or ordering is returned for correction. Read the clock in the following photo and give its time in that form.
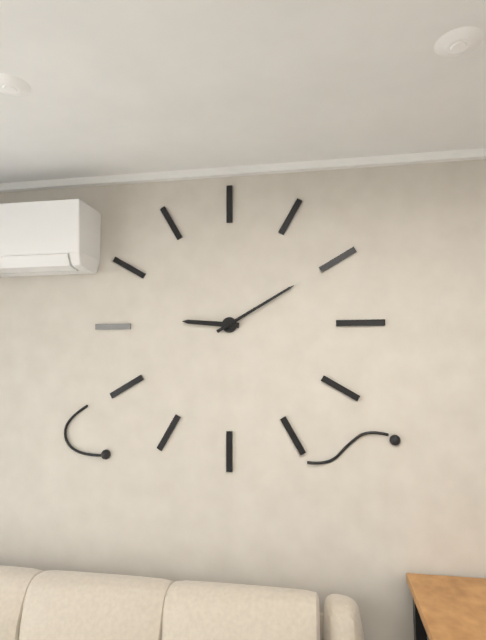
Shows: h=9 m=10
